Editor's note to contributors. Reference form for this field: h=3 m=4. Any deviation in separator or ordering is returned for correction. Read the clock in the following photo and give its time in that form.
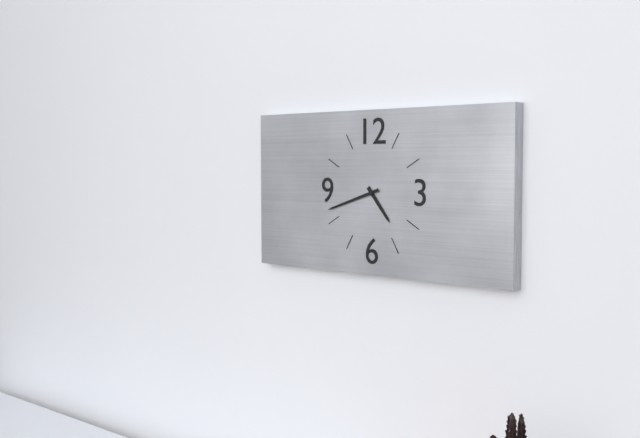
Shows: h=4 m=42
